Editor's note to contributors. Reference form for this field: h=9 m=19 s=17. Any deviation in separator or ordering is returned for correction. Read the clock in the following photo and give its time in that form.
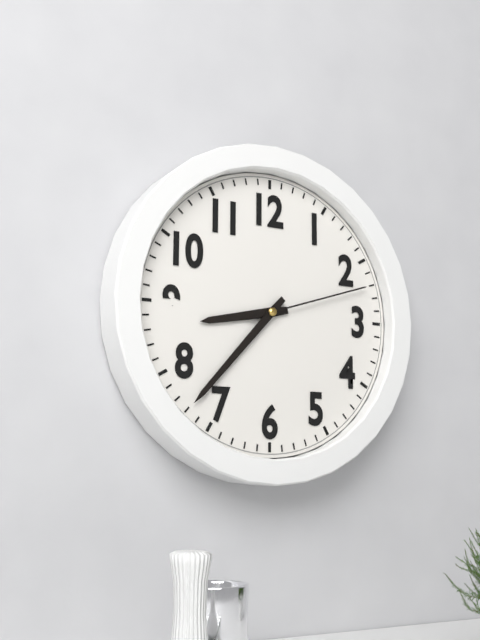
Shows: h=8 m=37 s=12
